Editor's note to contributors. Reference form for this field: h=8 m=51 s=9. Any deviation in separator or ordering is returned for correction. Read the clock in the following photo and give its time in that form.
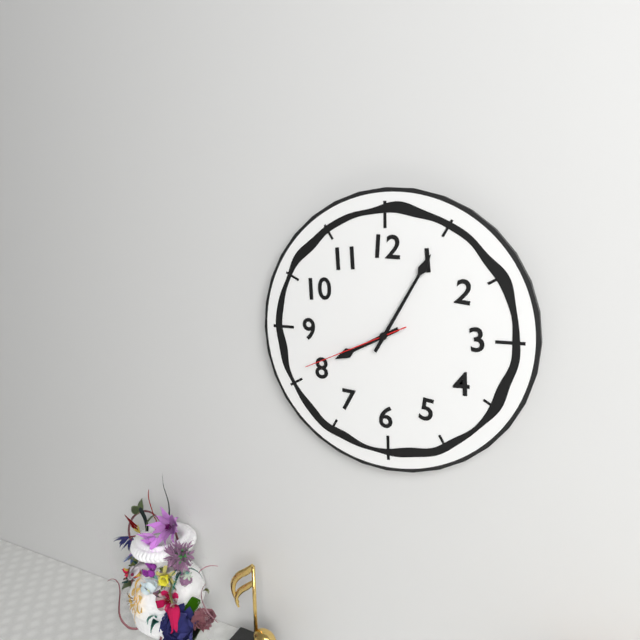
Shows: h=8 m=5 s=41
